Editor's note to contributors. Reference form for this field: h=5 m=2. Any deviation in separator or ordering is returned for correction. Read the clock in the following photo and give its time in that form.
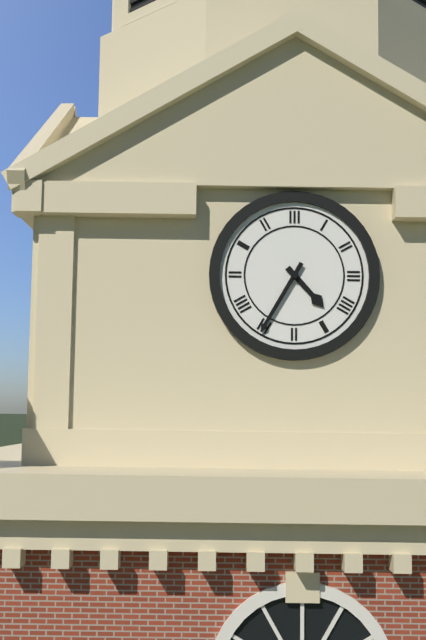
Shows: h=4 m=35
